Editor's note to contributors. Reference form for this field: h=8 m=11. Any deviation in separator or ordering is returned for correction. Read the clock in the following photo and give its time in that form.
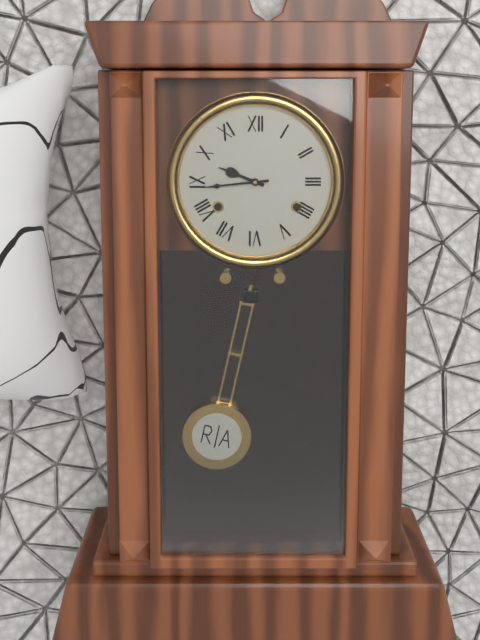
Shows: h=9 m=44
